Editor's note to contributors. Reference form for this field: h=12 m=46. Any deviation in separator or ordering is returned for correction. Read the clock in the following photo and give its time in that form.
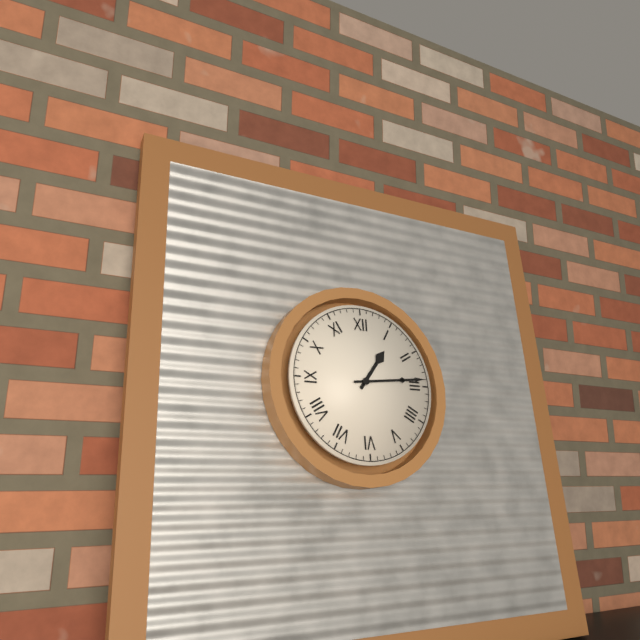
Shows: h=1 m=14
